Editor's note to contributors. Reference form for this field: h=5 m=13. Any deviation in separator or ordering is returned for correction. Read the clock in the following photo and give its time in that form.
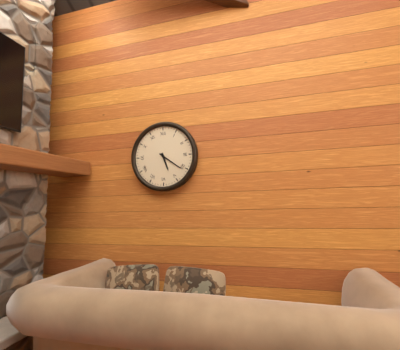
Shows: h=5 m=21
